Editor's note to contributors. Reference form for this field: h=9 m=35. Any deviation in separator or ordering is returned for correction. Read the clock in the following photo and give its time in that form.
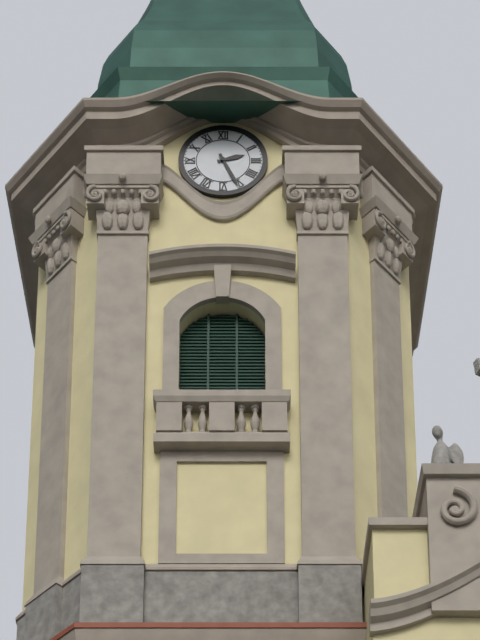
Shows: h=2 m=26
